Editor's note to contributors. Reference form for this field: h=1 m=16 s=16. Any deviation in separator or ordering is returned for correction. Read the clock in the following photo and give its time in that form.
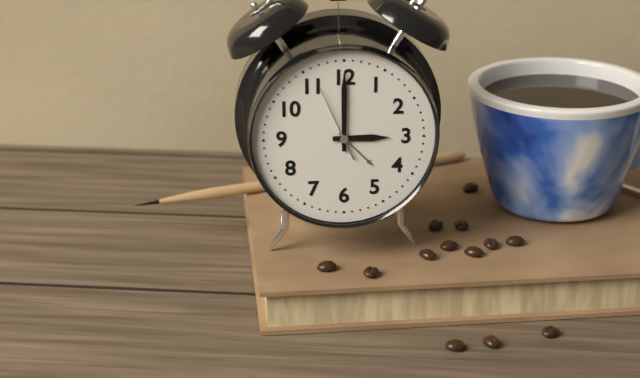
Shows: h=3 m=0 s=56
